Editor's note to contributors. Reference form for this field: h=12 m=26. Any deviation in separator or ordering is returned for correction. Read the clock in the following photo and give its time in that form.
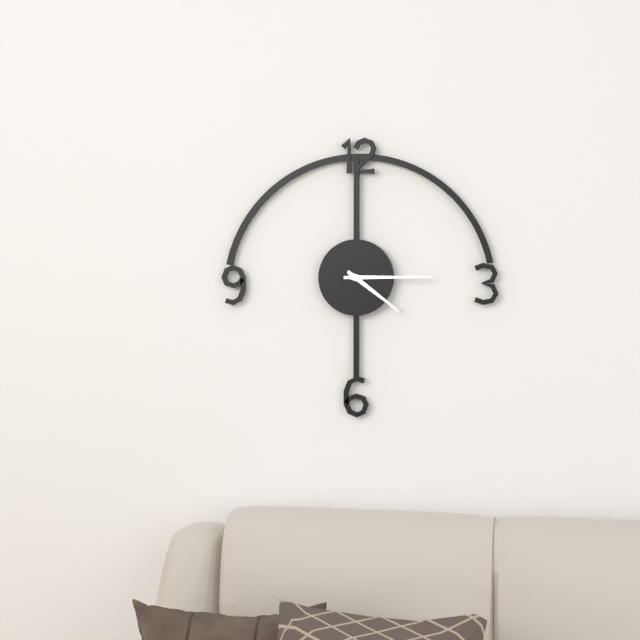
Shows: h=4 m=15
